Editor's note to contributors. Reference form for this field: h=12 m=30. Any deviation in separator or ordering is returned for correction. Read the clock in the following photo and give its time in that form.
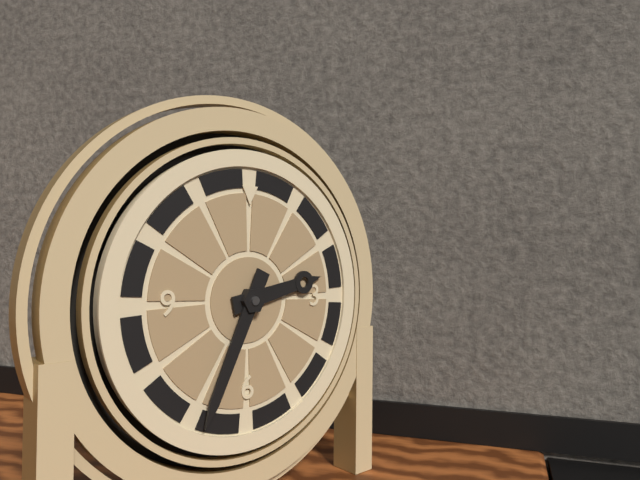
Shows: h=2 m=34
